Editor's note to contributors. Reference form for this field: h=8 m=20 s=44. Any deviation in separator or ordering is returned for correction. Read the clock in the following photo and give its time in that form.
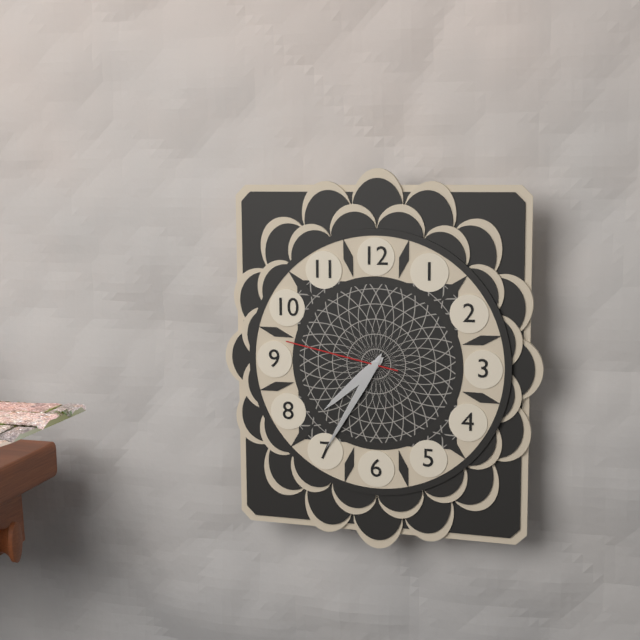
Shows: h=7 m=35 s=47
